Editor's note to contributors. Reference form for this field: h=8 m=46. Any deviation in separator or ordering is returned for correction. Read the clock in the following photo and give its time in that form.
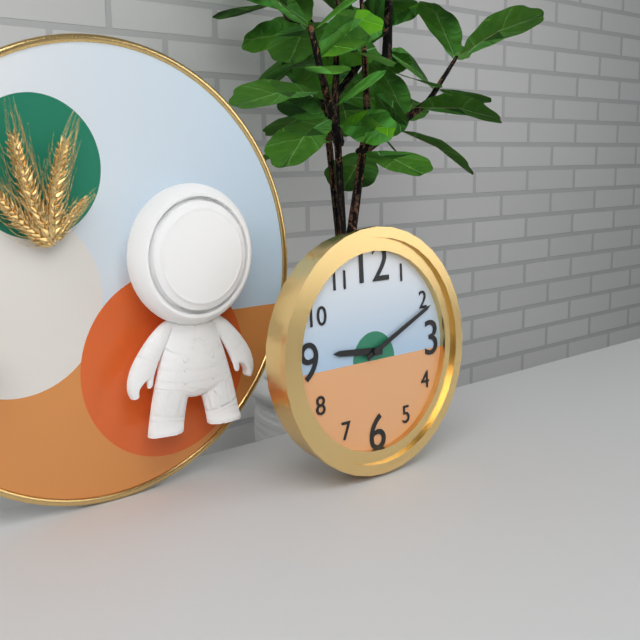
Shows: h=9 m=11
